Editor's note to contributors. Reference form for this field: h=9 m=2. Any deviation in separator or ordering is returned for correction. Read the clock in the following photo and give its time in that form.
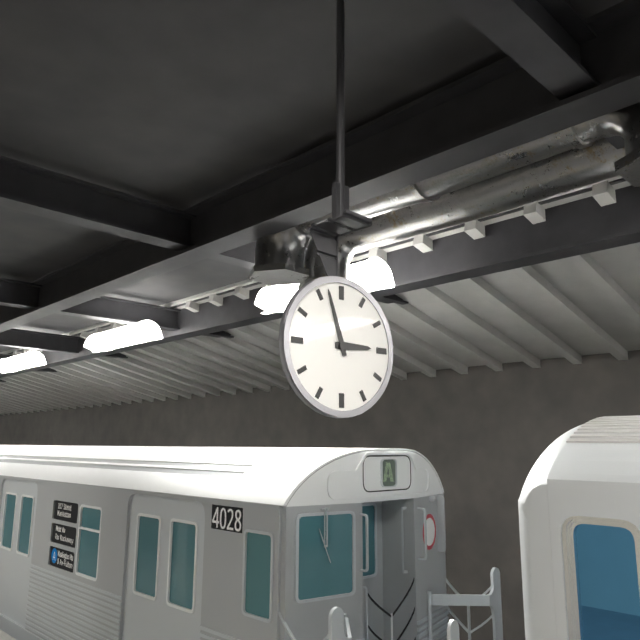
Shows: h=2 m=57
